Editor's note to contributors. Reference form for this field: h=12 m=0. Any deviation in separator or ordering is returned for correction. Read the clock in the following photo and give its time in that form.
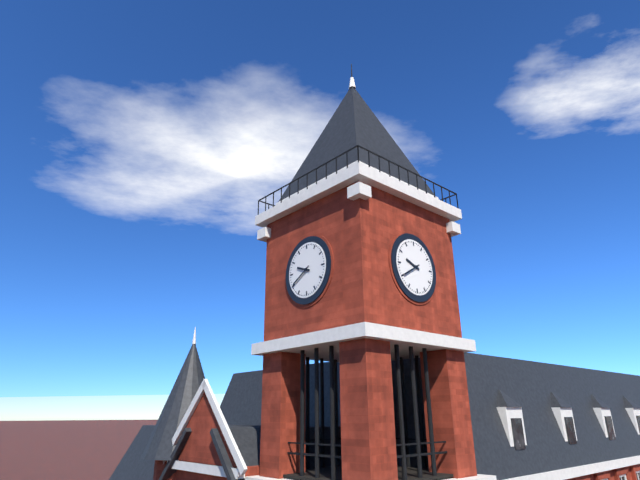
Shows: h=9 m=40
